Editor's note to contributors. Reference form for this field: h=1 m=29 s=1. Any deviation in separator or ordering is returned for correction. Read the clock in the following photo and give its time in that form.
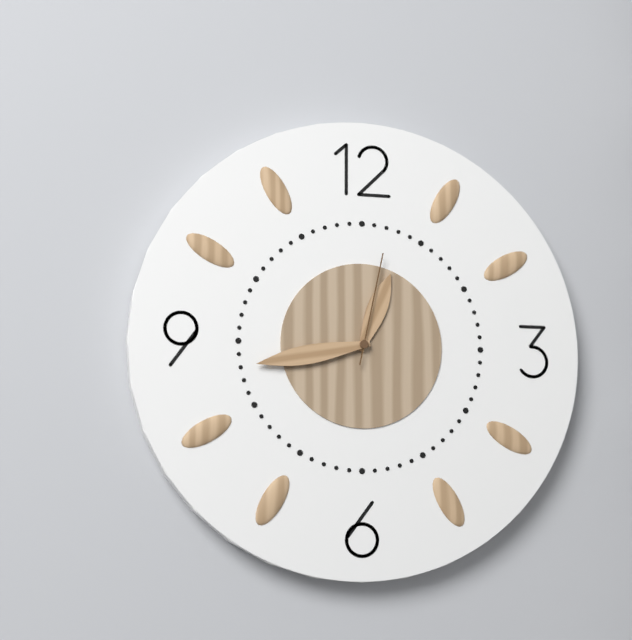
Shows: h=12 m=43 s=2
